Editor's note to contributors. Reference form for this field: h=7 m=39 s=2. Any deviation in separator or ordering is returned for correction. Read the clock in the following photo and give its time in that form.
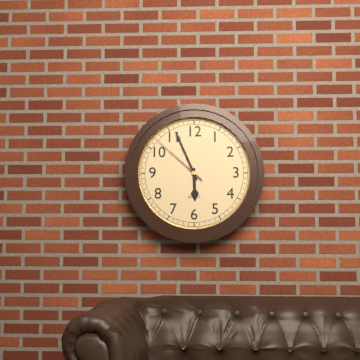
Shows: h=5 m=56 s=52
